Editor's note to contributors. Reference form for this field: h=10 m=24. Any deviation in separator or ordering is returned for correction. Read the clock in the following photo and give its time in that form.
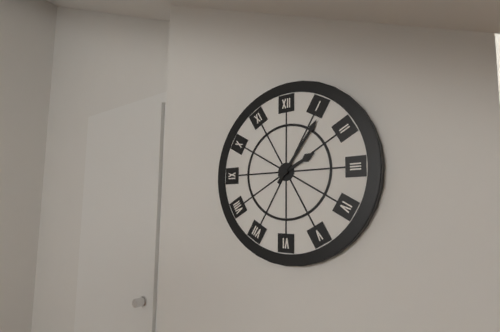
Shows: h=2 m=6
